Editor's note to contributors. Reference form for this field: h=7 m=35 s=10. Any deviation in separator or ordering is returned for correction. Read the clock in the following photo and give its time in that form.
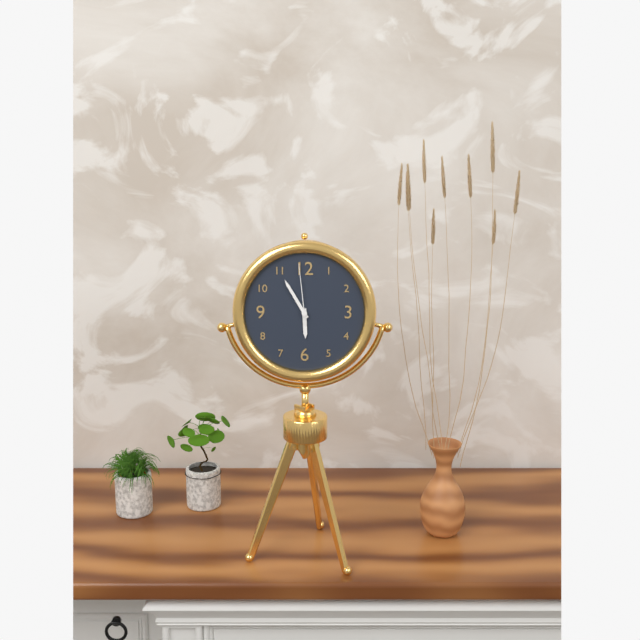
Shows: h=5 m=55 s=59
